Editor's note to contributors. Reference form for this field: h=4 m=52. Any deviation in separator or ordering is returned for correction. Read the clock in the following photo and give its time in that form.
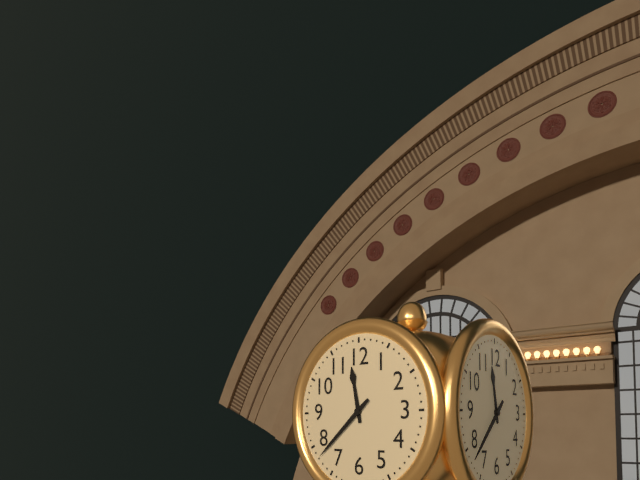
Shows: h=11 m=38
